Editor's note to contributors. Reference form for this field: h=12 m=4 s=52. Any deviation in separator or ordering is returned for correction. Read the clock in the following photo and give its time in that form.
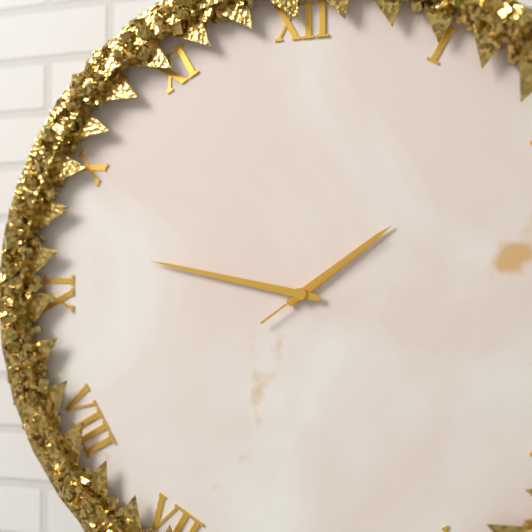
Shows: h=1 m=47 s=9
